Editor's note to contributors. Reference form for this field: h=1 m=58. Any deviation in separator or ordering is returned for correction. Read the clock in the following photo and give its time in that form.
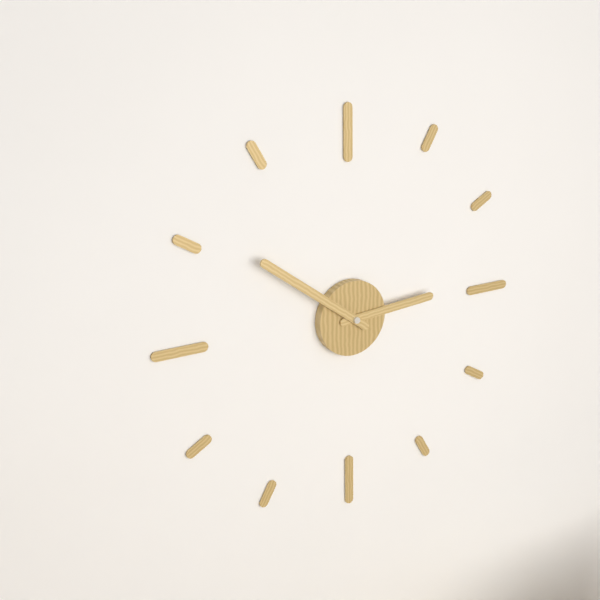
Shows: h=2 m=51
